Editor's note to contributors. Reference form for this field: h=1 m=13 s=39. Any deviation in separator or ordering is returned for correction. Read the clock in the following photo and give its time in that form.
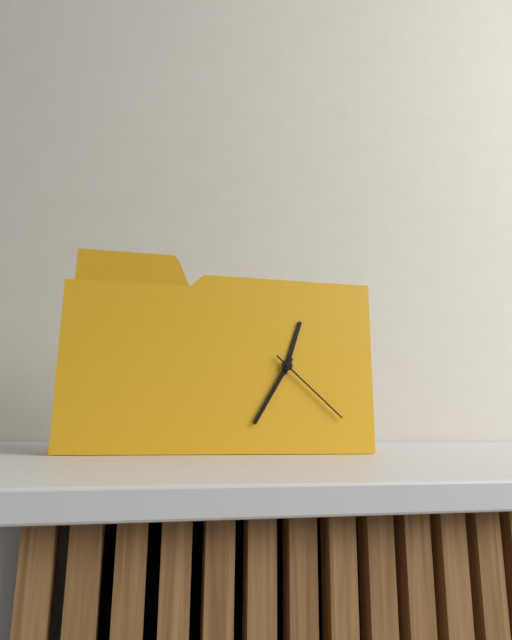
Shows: h=12 m=35 s=22
